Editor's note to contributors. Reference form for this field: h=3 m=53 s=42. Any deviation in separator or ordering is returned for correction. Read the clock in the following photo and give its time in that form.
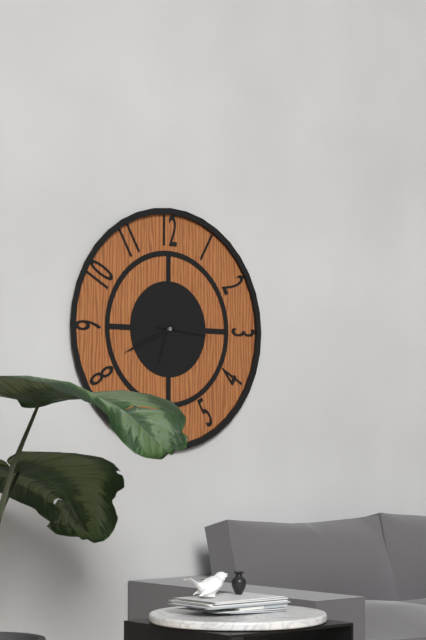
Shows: h=6 m=41 s=16
